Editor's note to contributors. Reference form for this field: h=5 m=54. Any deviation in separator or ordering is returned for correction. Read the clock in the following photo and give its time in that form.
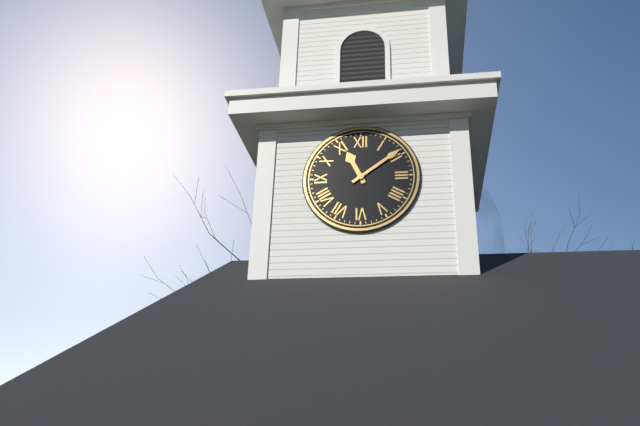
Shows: h=11 m=9
